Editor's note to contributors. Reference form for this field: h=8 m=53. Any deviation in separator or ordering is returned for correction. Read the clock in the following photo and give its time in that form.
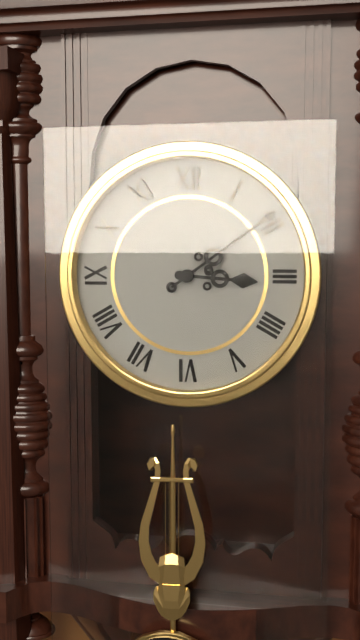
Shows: h=3 m=9
